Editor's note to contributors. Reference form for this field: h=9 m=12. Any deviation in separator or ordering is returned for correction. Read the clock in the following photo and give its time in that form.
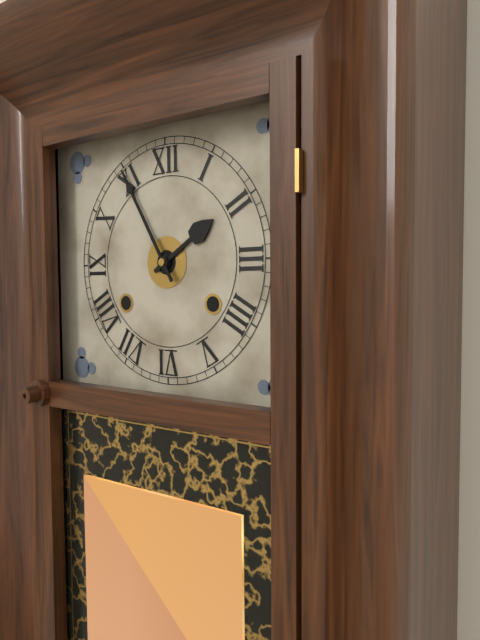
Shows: h=1 m=55
